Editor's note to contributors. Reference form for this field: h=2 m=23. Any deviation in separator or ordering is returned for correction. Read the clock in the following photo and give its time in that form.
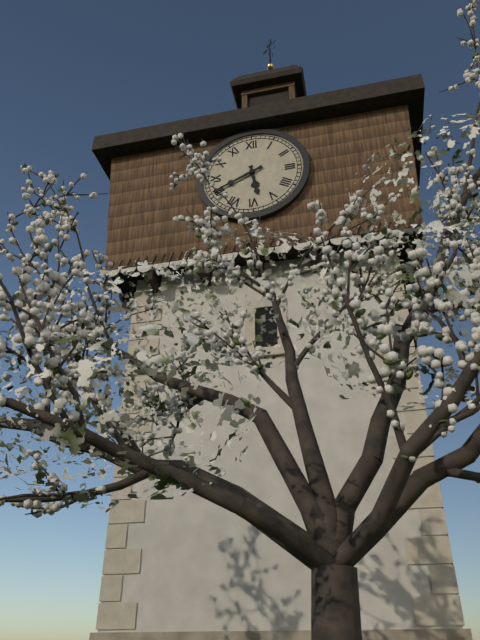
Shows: h=5 m=41
